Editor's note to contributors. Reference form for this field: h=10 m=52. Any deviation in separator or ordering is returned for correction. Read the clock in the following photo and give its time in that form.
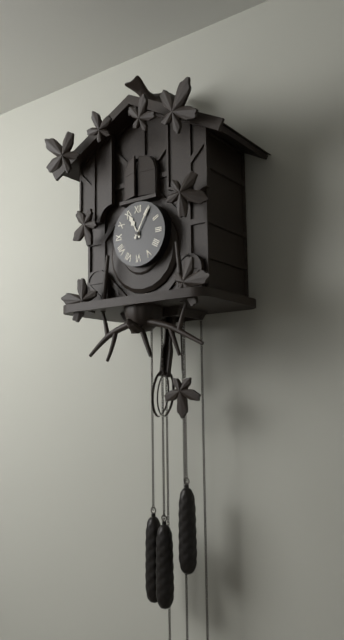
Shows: h=11 m=5
